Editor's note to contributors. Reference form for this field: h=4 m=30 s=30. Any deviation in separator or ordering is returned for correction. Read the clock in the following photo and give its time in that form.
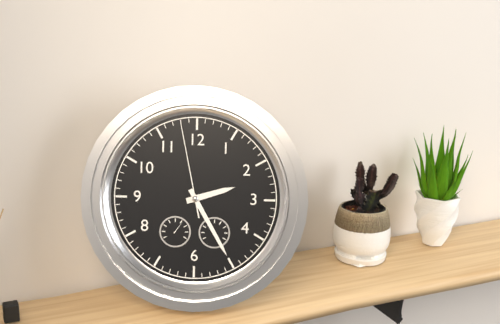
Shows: h=2 m=25 s=58
